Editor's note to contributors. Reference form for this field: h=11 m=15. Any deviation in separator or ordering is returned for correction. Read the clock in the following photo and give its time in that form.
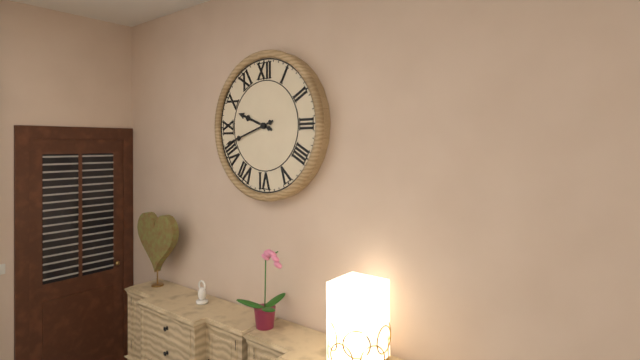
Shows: h=9 m=42
